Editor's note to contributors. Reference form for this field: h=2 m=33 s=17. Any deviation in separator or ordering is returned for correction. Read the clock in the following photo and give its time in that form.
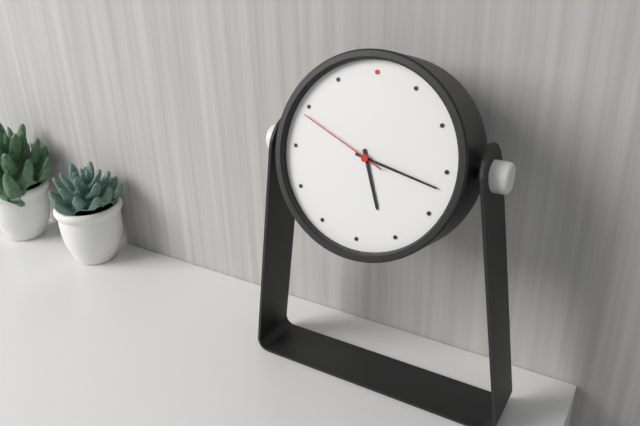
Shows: h=5 m=17 s=49
